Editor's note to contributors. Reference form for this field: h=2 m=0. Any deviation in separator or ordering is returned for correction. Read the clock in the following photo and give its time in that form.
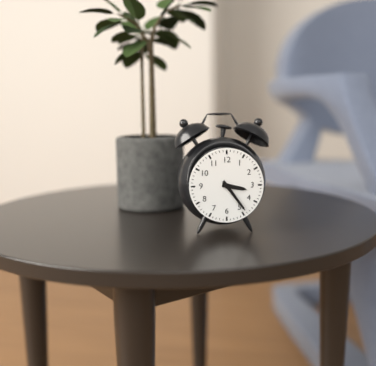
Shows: h=3 m=24
